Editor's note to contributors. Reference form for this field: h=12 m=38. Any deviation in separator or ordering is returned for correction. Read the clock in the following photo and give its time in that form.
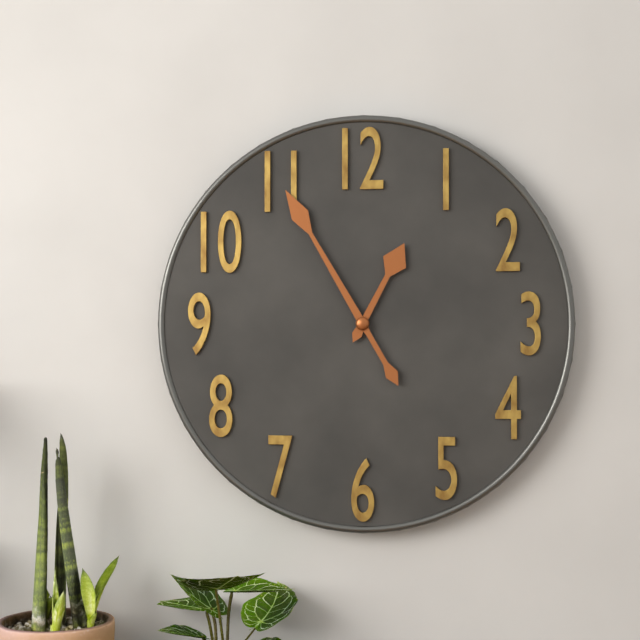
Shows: h=12 m=55
